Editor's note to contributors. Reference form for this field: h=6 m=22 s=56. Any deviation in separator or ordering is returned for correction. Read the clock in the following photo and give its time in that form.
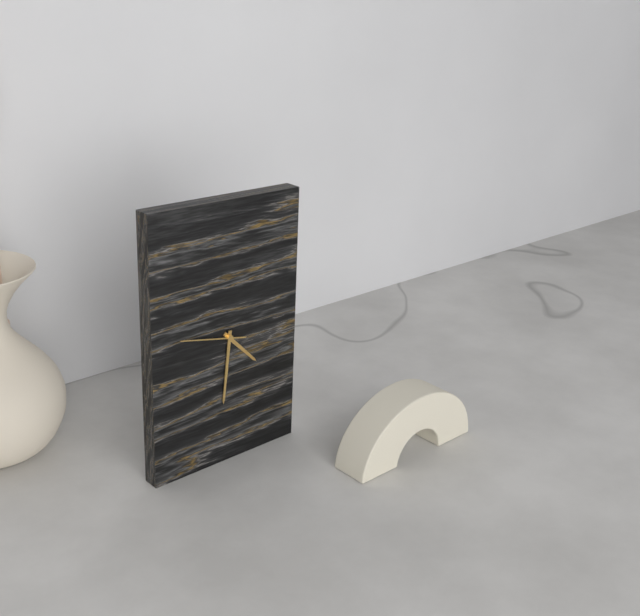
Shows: h=4 m=31 s=47
